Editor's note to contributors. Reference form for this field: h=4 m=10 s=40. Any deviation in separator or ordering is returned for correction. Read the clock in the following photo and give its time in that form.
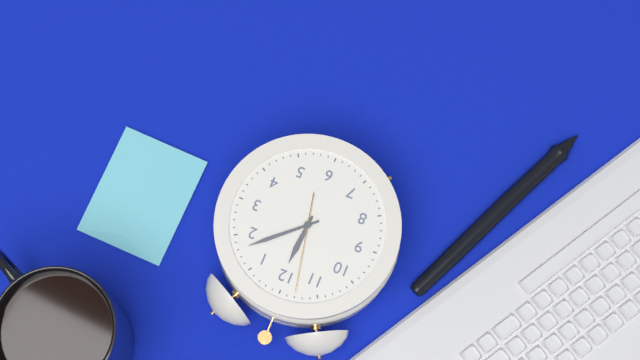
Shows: h=12 m=8 s=58
